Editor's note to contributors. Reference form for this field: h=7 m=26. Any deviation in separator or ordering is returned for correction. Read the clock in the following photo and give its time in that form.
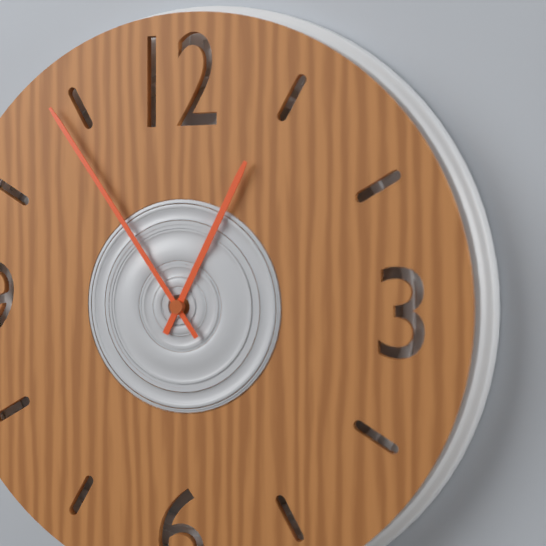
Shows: h=12 m=54
